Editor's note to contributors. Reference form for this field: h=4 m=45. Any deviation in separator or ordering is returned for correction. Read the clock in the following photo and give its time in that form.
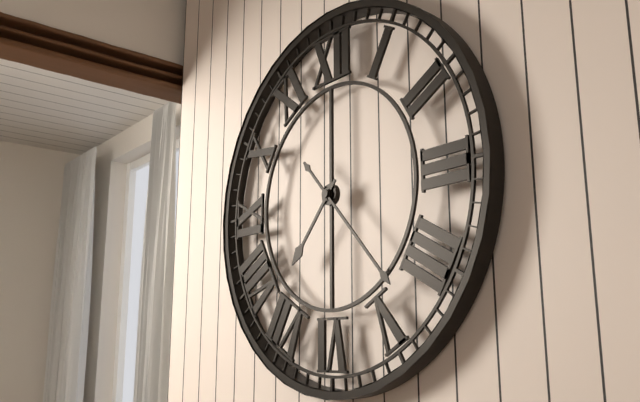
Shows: h=7 m=23
